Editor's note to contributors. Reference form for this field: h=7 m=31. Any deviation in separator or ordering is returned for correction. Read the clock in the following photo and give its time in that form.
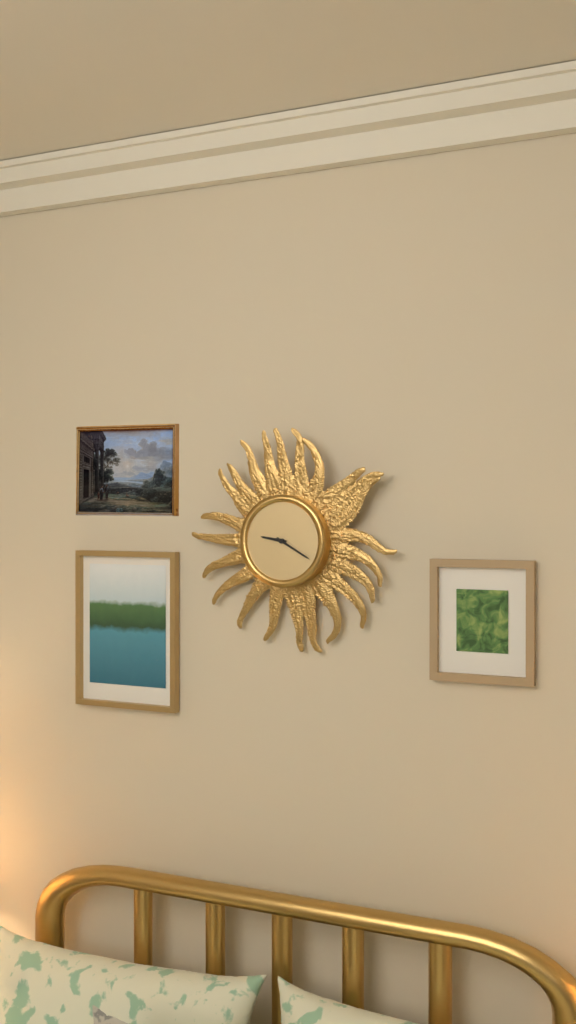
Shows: h=9 m=20
